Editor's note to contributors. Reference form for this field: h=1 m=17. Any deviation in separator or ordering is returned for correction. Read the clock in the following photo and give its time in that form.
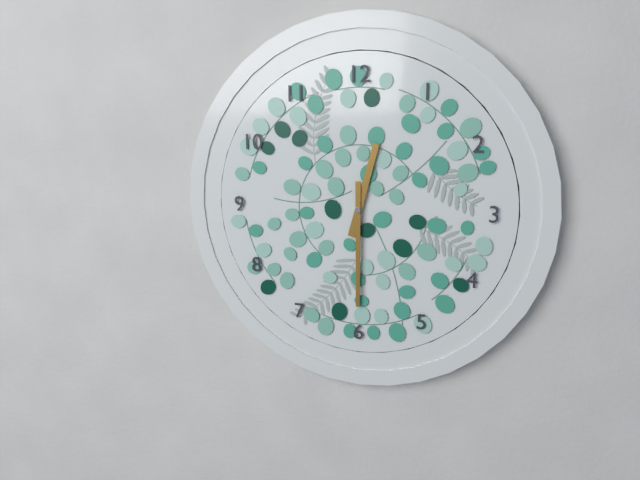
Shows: h=12 m=30
